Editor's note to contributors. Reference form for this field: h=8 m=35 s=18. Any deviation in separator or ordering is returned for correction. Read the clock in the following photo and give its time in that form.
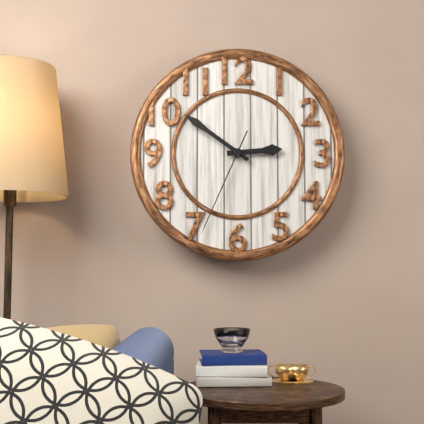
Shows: h=2 m=51 s=34
